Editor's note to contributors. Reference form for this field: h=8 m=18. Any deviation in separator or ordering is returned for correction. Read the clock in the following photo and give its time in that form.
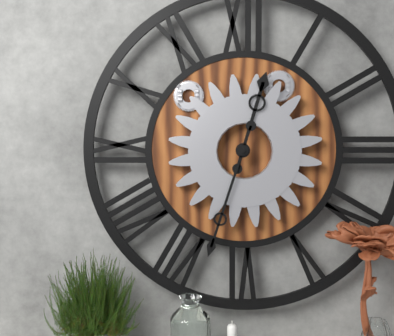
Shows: h=12 m=33
